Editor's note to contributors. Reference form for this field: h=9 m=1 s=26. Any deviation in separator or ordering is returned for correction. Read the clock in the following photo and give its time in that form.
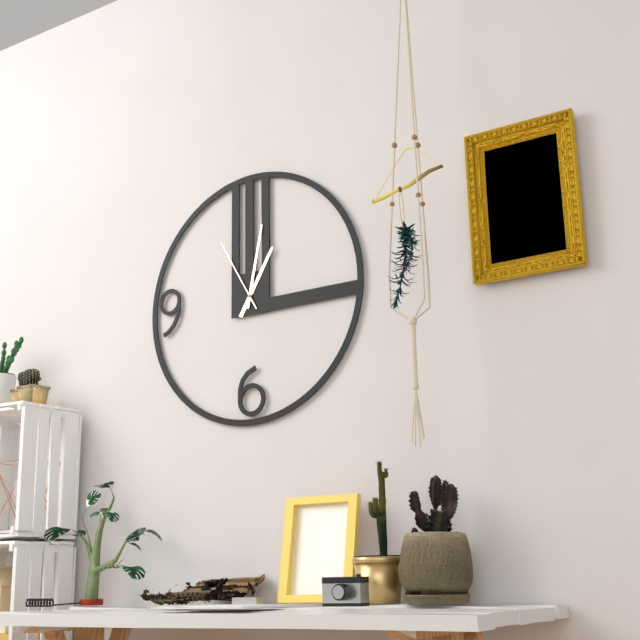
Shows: h=1 m=2 s=55
